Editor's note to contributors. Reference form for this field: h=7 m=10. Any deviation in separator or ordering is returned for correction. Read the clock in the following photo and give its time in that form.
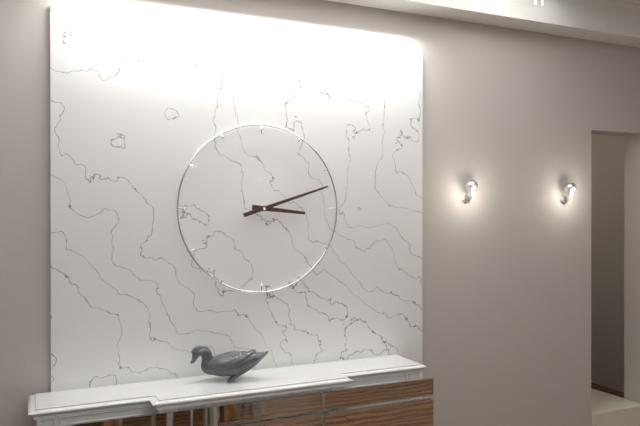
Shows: h=3 m=12
